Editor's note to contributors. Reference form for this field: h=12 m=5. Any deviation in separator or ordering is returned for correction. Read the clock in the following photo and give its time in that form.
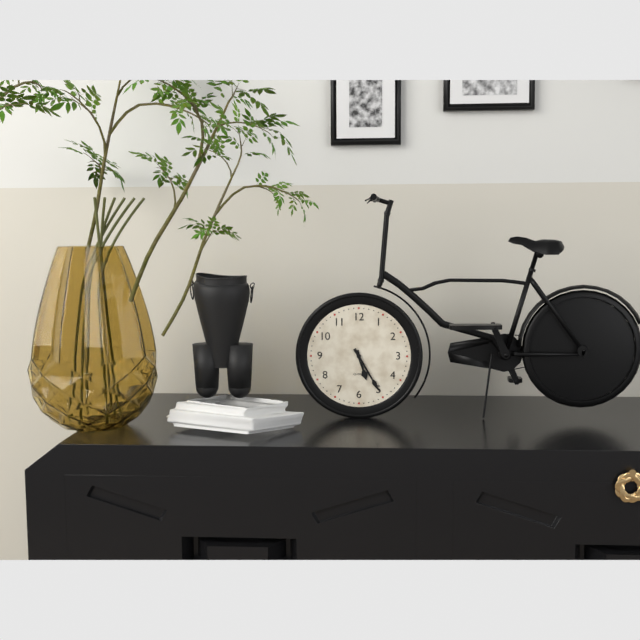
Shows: h=5 m=25
